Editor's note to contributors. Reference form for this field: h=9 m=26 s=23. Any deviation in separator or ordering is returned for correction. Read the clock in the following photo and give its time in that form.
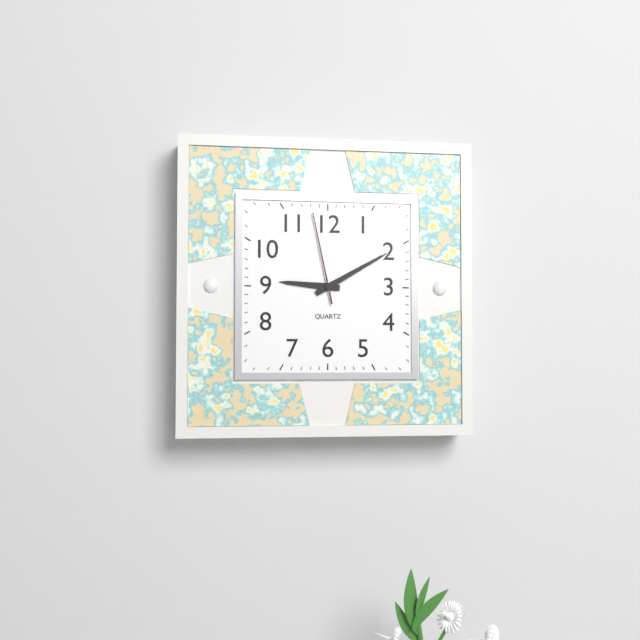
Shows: h=9 m=10 s=58
